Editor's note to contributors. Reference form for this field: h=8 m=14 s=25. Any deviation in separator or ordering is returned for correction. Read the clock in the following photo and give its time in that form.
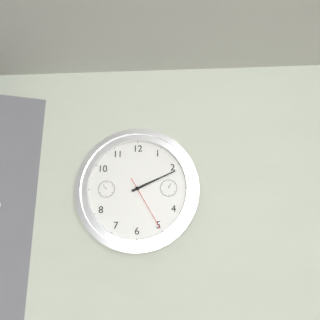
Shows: h=2 m=11 s=25
